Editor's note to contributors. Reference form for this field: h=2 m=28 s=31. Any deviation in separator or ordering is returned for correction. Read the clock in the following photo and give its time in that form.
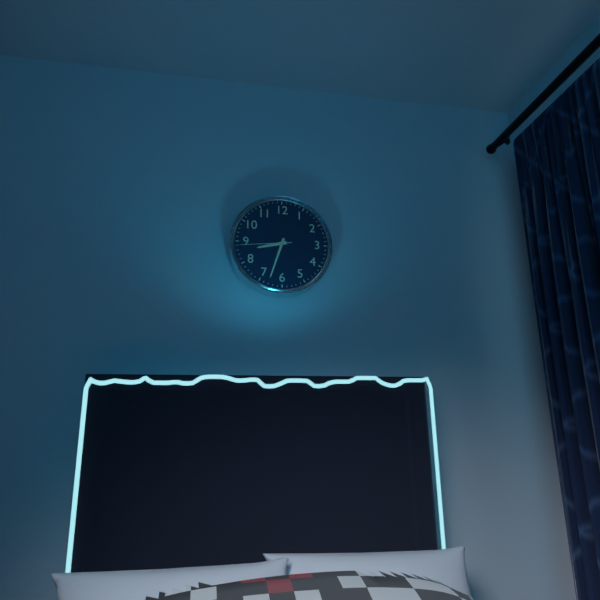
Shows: h=8 m=33 s=44
